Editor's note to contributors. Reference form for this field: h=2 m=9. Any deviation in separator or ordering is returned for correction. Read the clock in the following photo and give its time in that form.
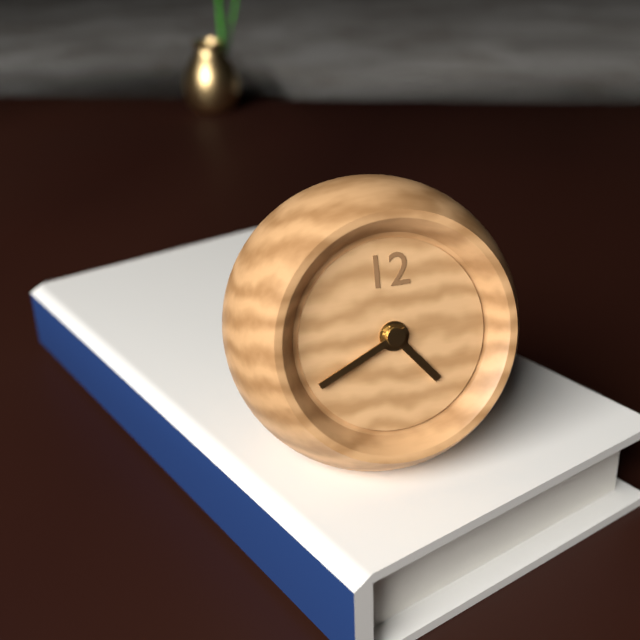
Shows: h=4 m=41
